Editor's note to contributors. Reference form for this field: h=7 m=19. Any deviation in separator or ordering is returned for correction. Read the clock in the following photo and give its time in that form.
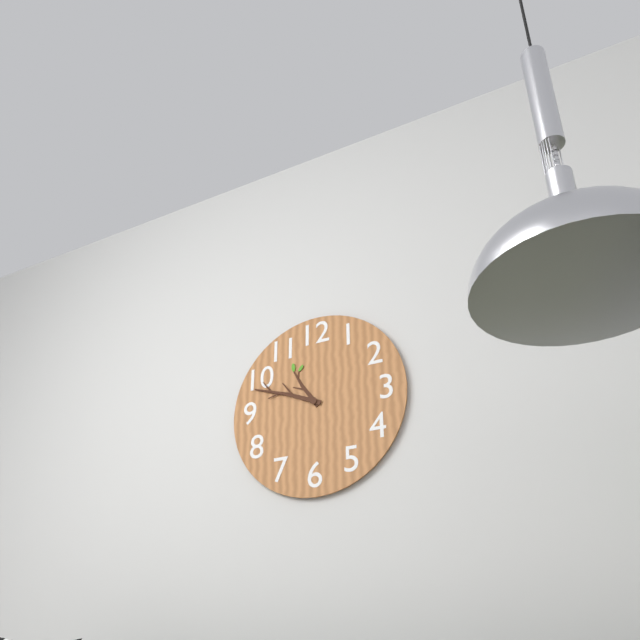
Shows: h=10 m=49
